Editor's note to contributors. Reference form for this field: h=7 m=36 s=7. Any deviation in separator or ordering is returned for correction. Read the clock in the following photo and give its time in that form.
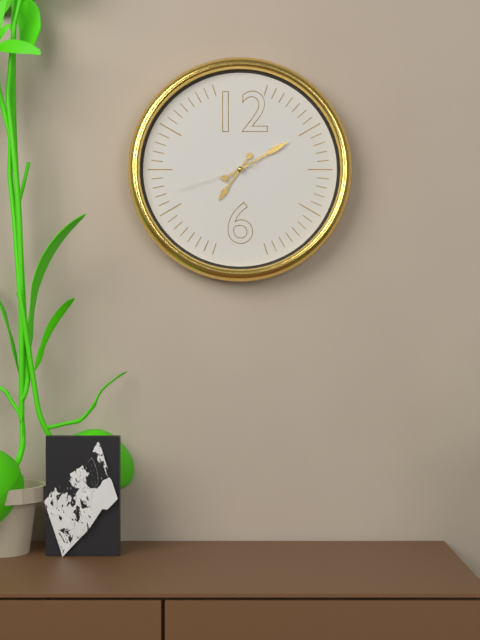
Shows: h=7 m=10 s=42
